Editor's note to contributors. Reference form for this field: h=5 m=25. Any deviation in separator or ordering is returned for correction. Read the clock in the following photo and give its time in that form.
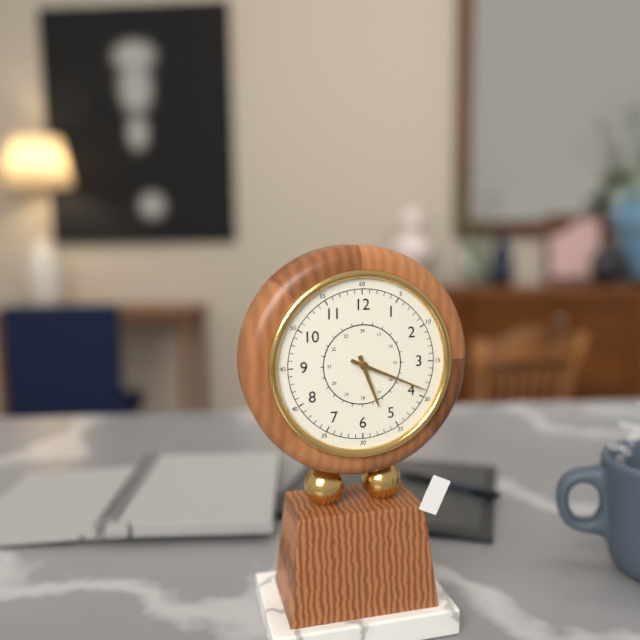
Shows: h=5 m=19
